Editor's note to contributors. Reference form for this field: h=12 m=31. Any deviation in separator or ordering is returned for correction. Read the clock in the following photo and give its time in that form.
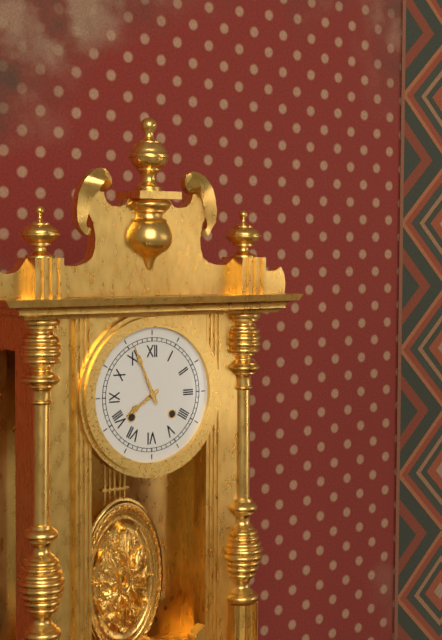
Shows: h=7 m=56
